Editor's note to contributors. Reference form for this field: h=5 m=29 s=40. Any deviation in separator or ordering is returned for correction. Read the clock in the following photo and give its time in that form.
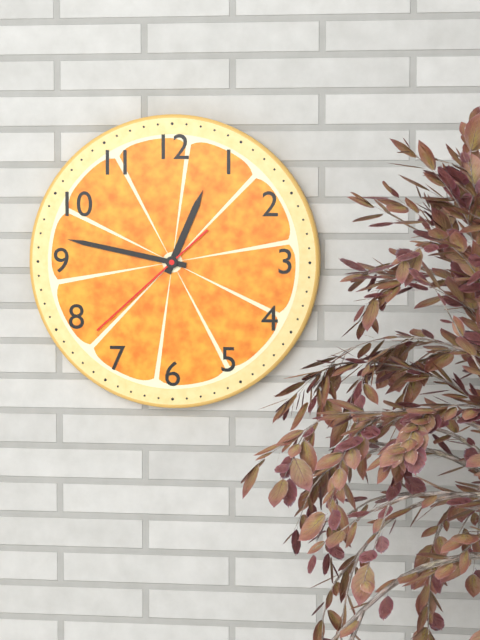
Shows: h=12 m=47 s=38
